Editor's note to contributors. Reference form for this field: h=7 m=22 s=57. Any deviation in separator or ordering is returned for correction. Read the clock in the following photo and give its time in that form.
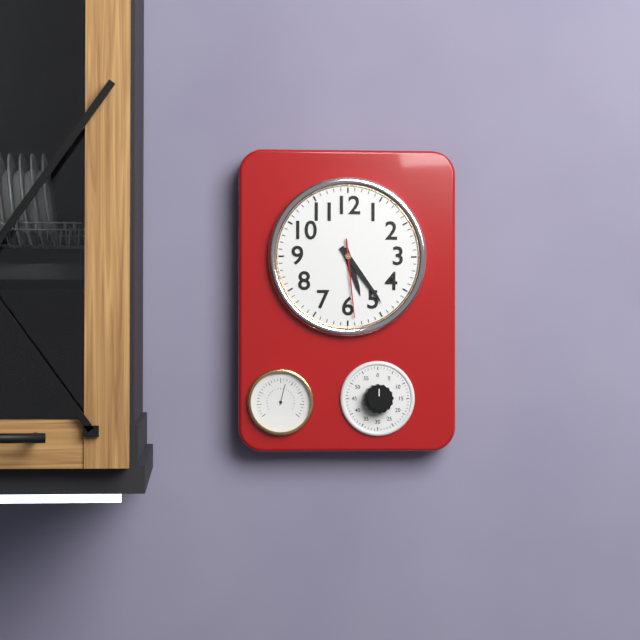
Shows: h=5 m=24 s=29
